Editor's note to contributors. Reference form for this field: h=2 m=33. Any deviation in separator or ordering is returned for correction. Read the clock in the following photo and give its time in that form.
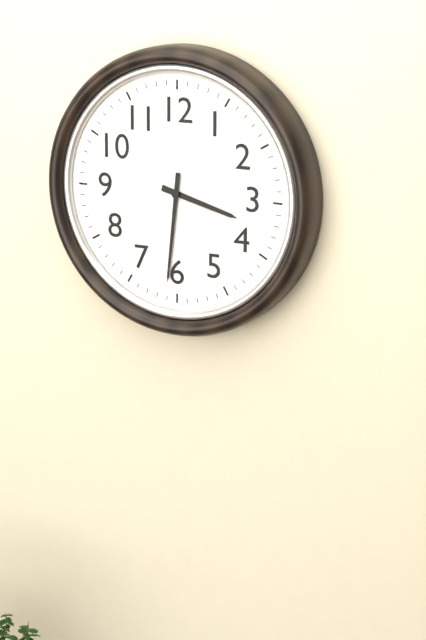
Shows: h=3 m=31
